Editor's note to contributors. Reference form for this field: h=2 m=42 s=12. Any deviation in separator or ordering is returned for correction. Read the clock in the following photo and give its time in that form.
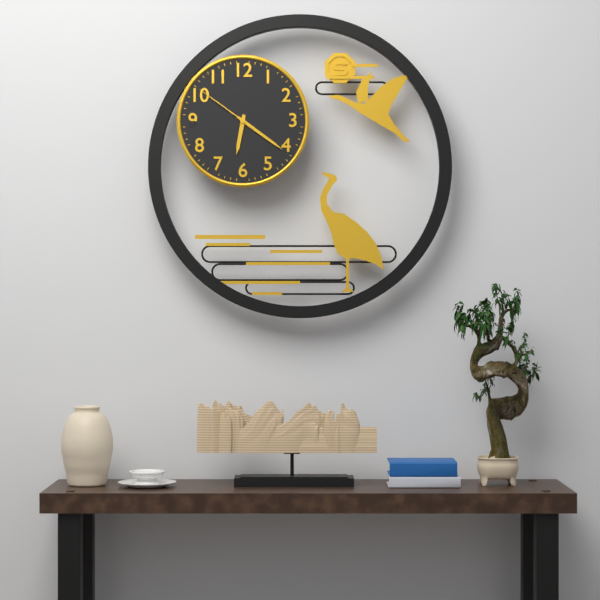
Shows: h=6 m=21 s=51
